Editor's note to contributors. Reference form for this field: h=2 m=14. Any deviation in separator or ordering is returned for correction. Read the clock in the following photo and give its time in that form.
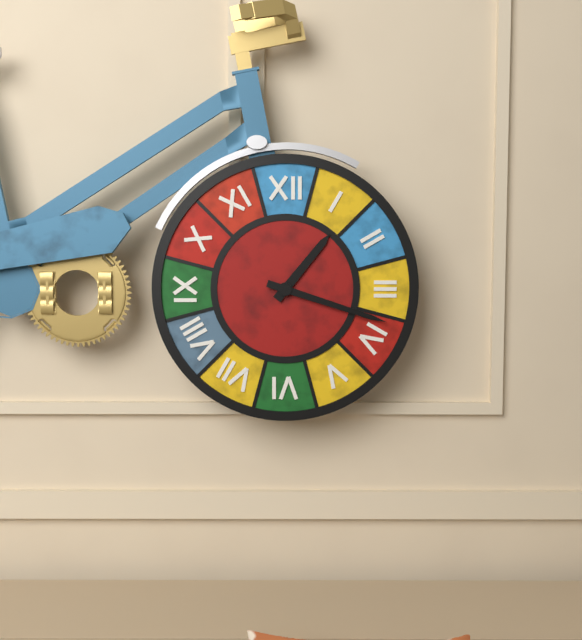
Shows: h=1 m=18
